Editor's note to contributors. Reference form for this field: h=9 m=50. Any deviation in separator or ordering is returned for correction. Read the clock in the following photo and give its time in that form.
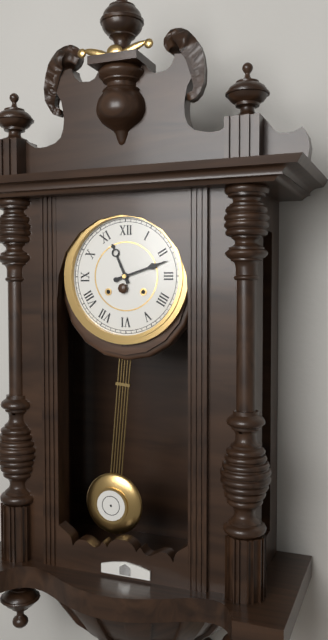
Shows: h=11 m=12
